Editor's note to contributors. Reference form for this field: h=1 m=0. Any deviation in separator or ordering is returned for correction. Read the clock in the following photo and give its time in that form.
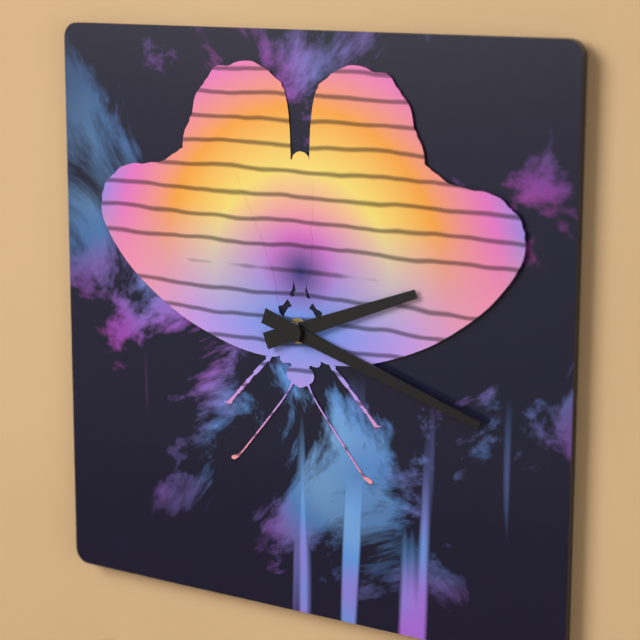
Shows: h=2 m=18
